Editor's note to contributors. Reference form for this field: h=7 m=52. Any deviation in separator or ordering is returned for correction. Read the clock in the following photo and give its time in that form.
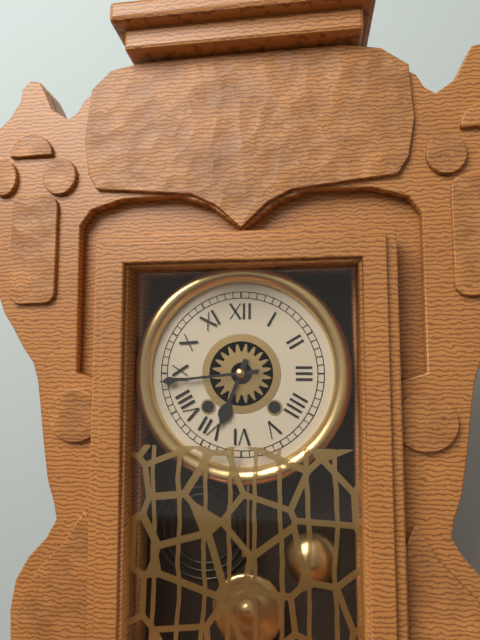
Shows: h=6 m=44
